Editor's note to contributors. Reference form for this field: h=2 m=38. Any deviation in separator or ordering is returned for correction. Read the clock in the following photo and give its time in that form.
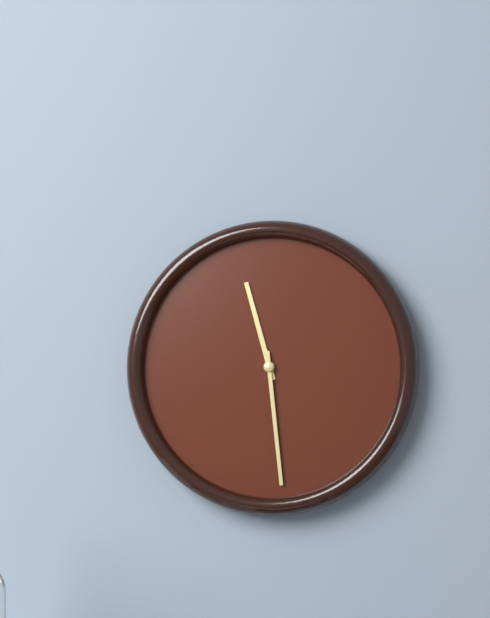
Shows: h=11 m=29
